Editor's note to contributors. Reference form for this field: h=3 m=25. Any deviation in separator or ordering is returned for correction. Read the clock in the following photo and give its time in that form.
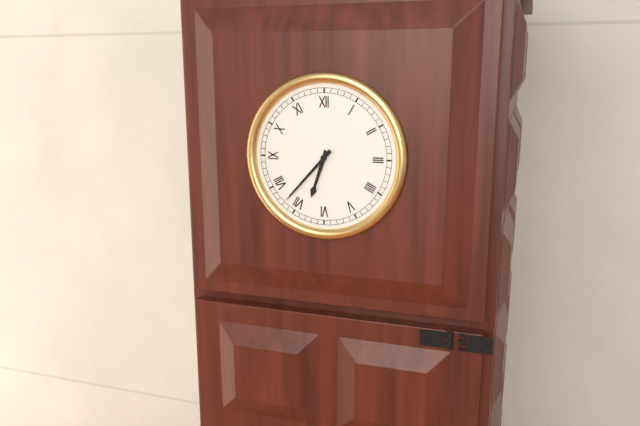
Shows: h=6 m=37
